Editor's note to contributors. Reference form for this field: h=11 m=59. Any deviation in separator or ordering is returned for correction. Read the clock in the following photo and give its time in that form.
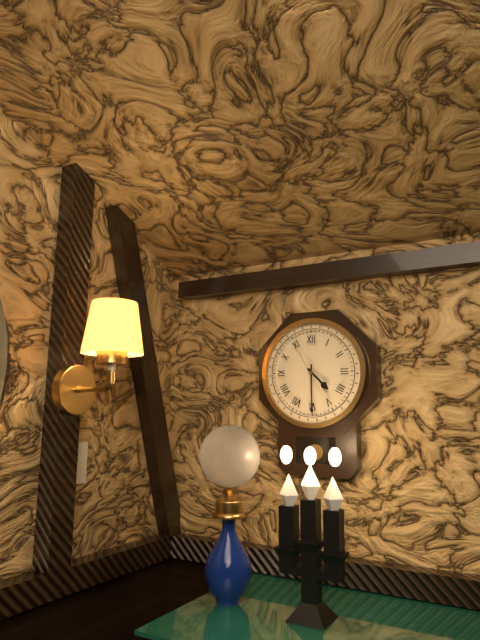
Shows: h=4 m=30
